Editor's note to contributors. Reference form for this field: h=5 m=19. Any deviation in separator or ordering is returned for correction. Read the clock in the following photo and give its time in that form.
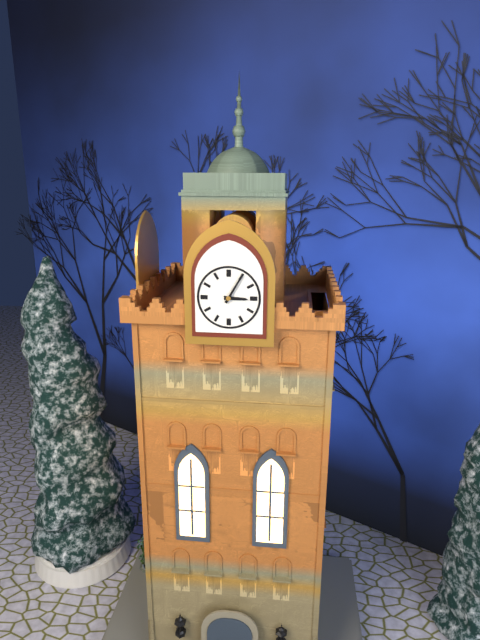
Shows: h=3 m=5
